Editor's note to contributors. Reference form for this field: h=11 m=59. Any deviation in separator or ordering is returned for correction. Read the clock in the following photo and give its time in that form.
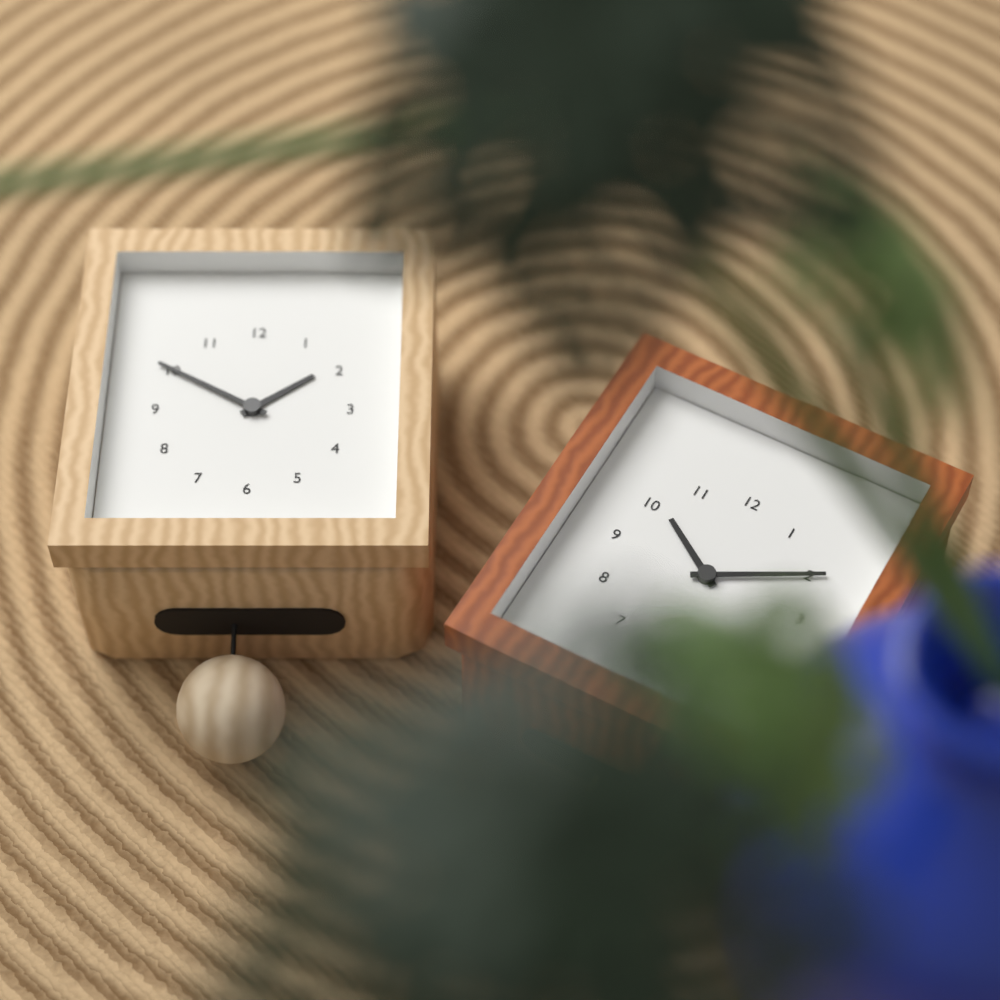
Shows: h=1 m=50
